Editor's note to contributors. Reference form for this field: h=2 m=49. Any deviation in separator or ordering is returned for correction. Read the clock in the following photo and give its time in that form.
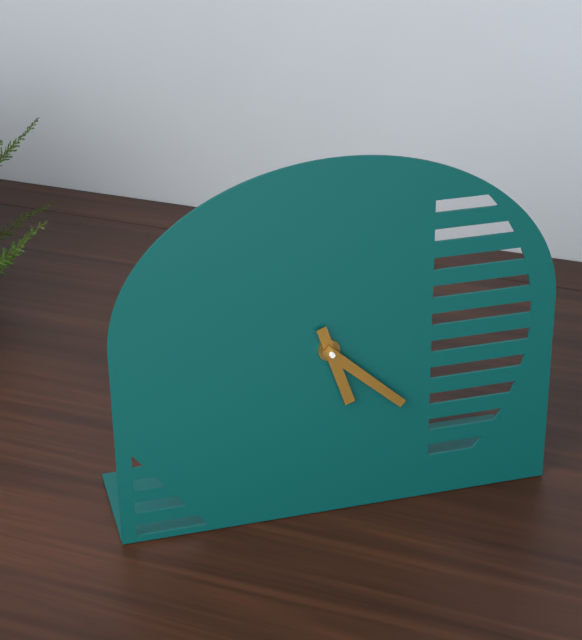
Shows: h=5 m=22
